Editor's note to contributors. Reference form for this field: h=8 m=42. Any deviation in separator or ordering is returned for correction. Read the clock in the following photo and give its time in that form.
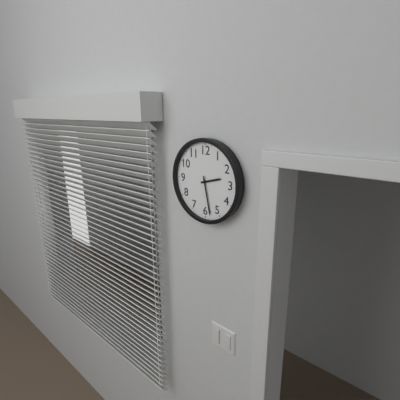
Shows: h=2 m=28
